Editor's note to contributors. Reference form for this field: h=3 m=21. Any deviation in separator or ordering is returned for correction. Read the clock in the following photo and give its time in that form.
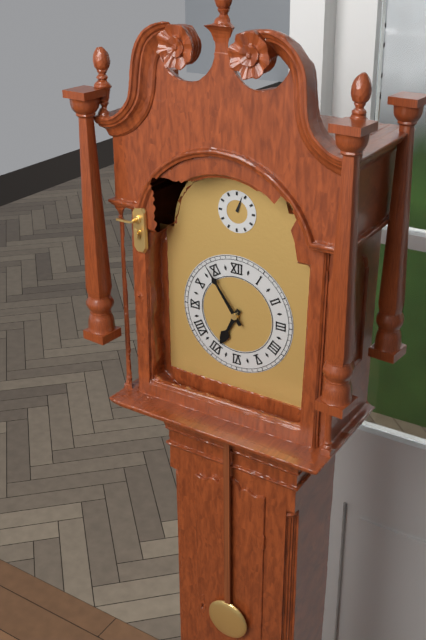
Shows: h=6 m=54
